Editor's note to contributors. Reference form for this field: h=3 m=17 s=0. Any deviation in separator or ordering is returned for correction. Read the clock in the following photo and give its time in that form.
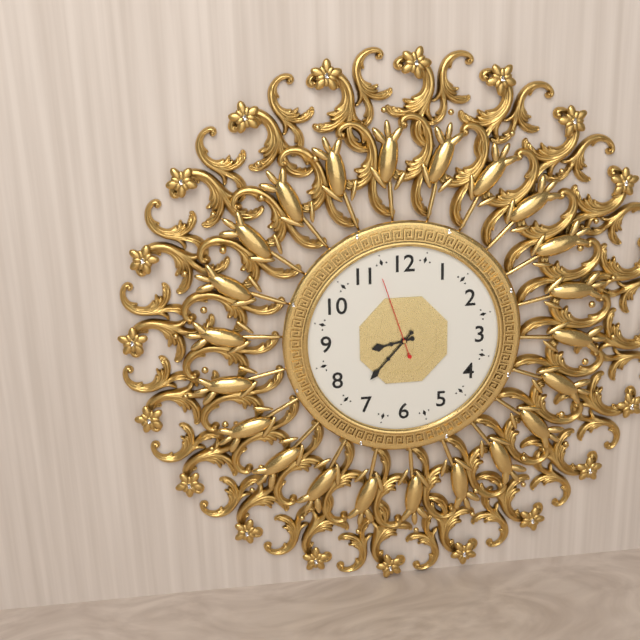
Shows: h=8 m=37 s=57
